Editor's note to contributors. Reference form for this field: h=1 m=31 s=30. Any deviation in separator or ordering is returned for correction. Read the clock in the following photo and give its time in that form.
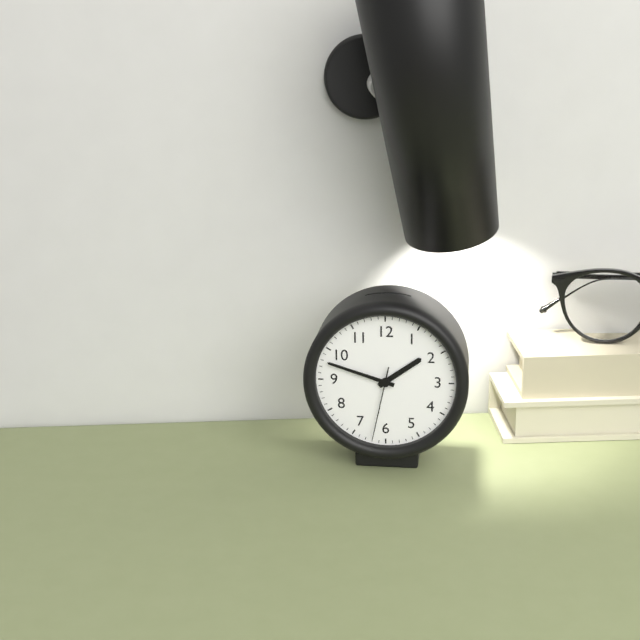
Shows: h=1 m=48 s=32
